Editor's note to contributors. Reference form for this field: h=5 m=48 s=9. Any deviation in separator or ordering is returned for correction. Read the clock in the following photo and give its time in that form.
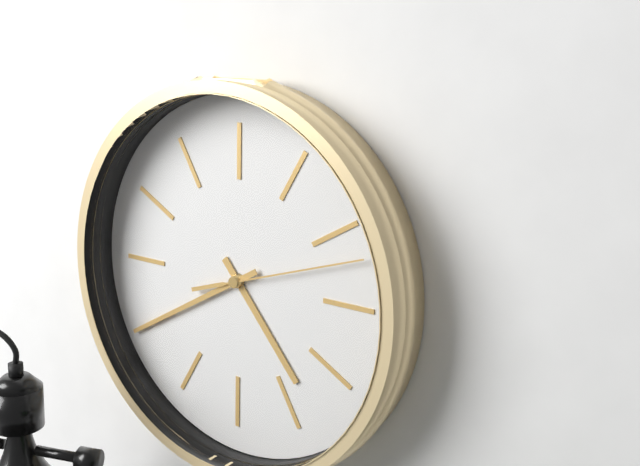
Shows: h=4 m=40 s=12
